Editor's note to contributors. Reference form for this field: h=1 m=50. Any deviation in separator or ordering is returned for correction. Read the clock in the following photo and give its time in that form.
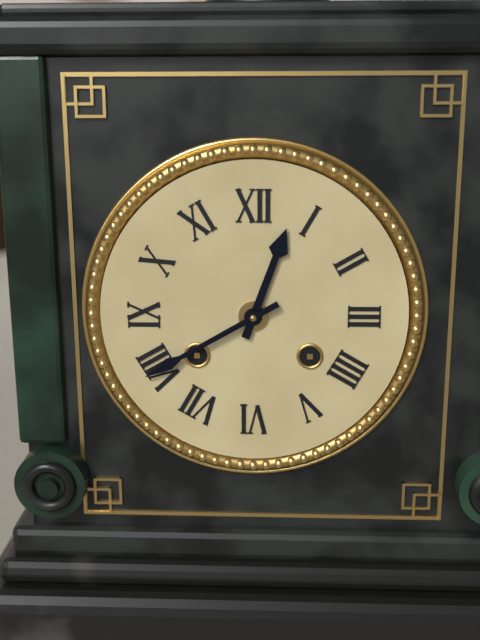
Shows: h=12 m=40
